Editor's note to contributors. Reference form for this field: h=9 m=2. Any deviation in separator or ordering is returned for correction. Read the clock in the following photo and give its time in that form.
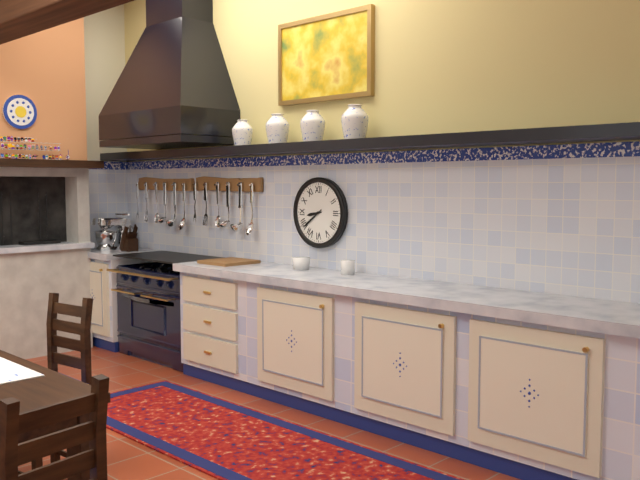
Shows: h=8 m=39
